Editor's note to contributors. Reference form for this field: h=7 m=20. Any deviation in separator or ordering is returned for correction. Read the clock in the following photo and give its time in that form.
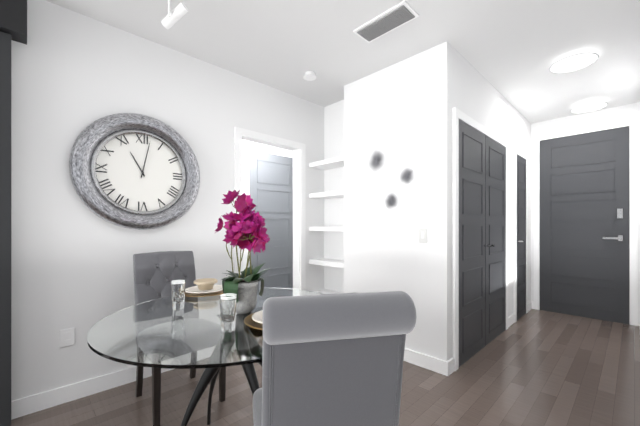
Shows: h=11 m=2
